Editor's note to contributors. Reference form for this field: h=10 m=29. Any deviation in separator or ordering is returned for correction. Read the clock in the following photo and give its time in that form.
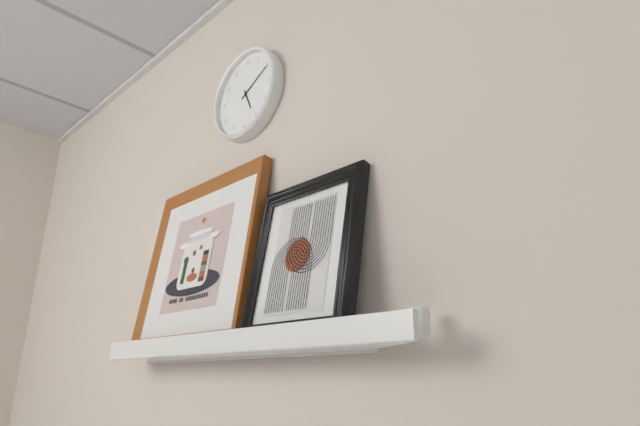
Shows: h=5 m=10
